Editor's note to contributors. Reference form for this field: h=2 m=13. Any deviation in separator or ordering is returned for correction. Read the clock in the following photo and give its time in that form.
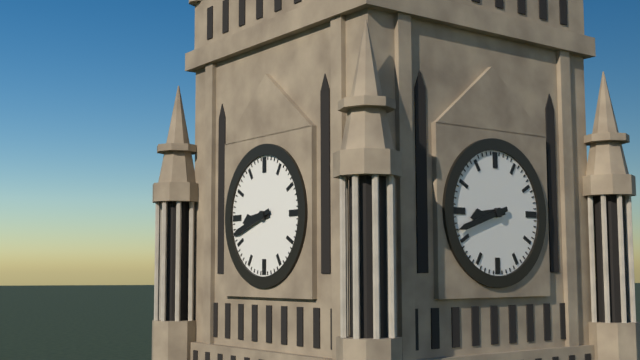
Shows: h=8 m=42
